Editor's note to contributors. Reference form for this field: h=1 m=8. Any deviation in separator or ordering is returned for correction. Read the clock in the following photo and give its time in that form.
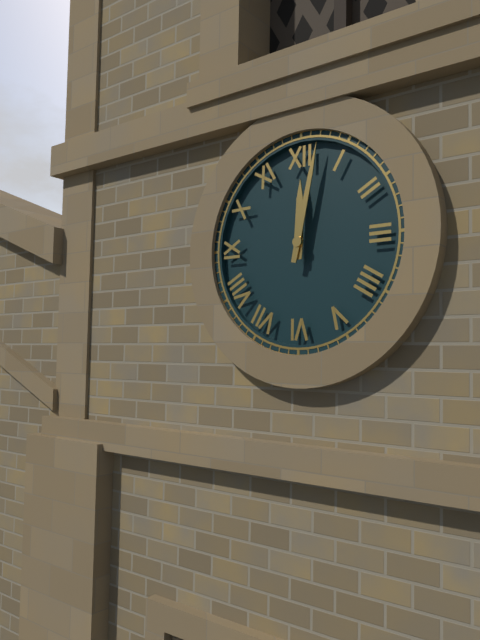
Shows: h=12 m=2
